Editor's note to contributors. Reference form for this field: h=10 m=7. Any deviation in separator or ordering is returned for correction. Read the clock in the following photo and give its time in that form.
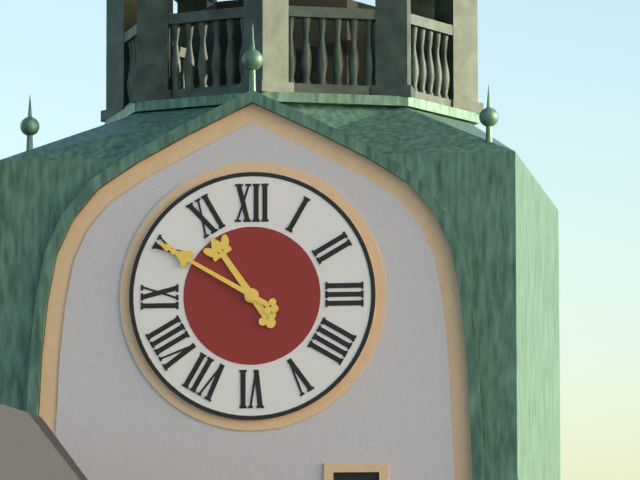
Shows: h=10 m=50
